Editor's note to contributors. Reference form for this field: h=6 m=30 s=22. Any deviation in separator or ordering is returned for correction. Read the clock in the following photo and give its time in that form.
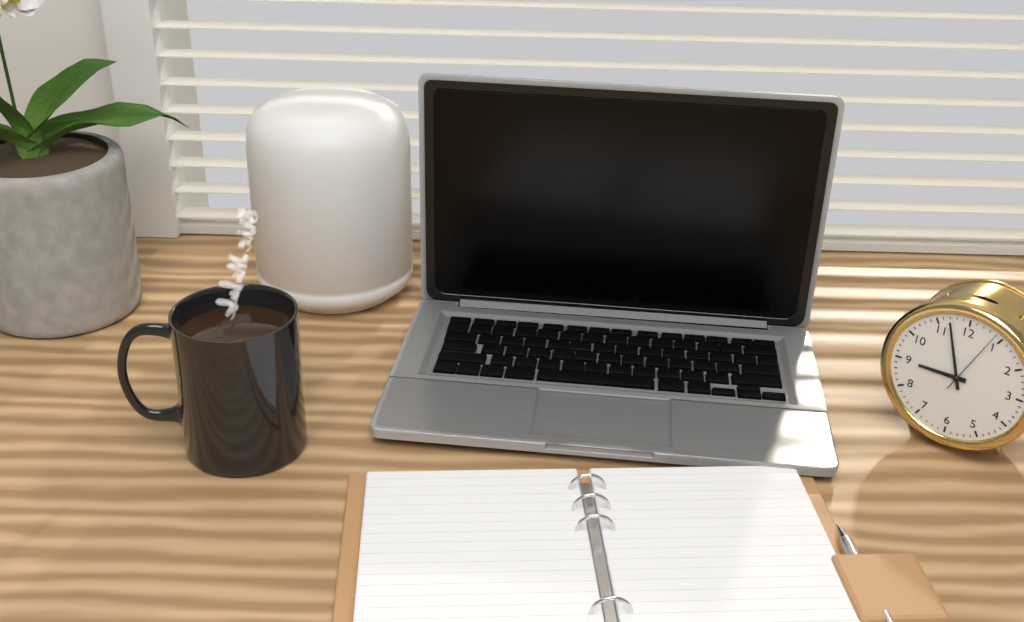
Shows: h=8 m=57 s=4
